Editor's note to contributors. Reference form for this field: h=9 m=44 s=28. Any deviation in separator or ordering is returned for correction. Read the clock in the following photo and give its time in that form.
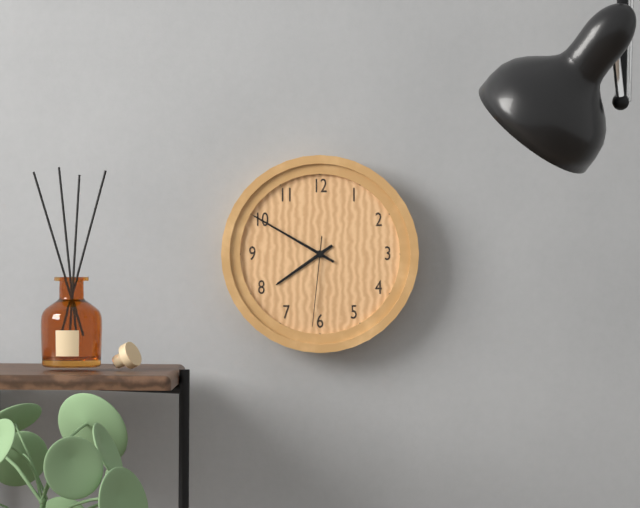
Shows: h=7 m=50 s=31
